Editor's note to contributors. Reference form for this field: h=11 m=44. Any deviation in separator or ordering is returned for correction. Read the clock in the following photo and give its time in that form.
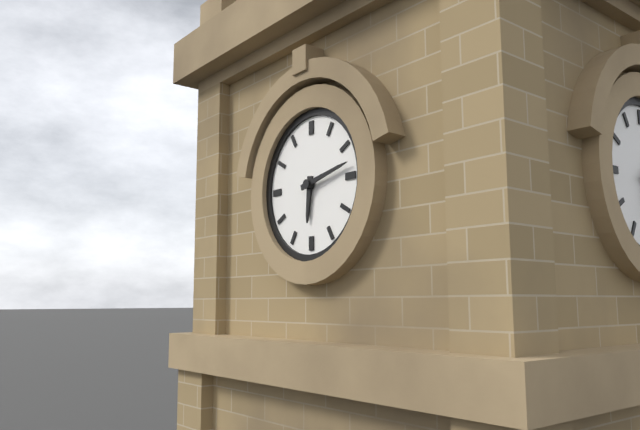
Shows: h=6 m=13
